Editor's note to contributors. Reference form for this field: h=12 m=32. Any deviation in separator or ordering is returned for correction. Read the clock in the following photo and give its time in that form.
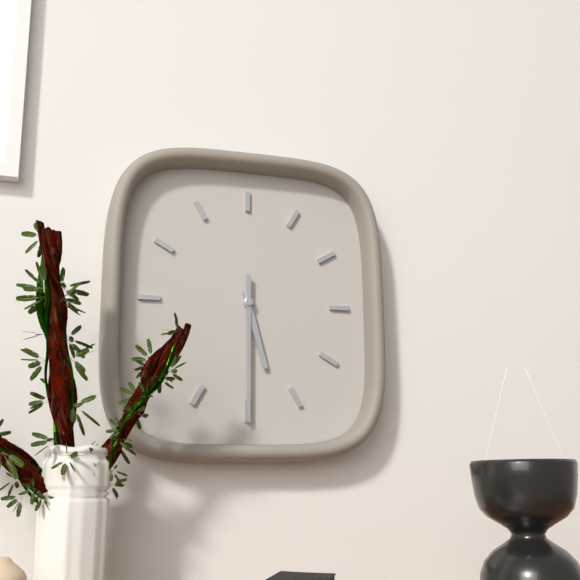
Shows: h=5 m=30
